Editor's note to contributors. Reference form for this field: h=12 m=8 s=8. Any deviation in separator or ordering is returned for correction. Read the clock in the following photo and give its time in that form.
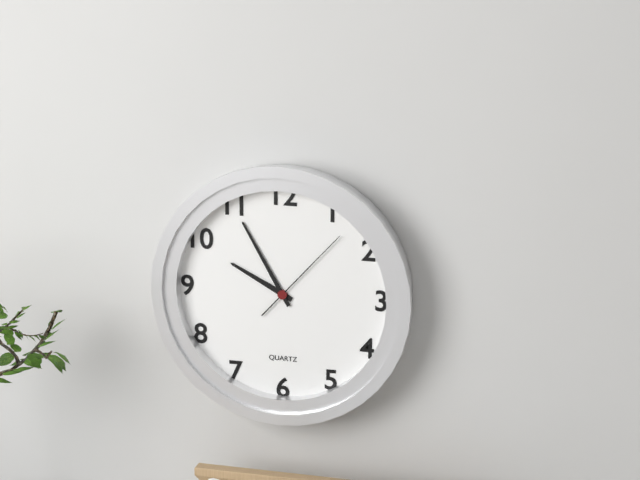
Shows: h=9 m=55 s=7
